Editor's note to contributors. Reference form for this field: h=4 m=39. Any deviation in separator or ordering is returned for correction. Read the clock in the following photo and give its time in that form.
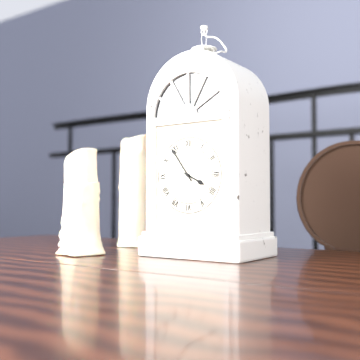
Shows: h=3 m=54
